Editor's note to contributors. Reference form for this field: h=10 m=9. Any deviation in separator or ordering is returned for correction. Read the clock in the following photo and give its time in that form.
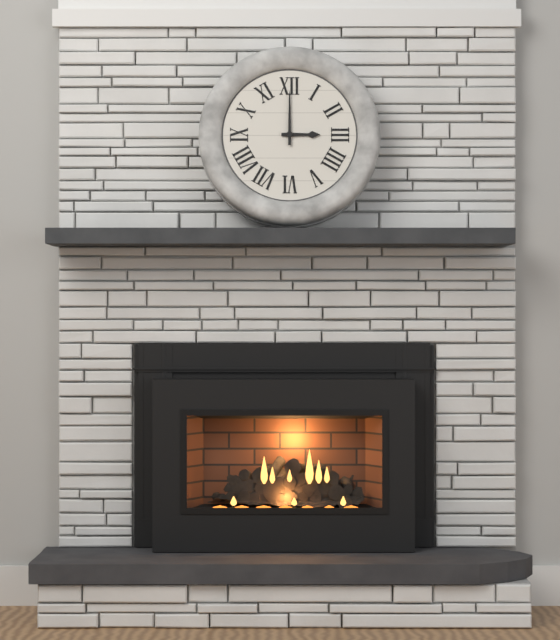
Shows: h=3 m=0
